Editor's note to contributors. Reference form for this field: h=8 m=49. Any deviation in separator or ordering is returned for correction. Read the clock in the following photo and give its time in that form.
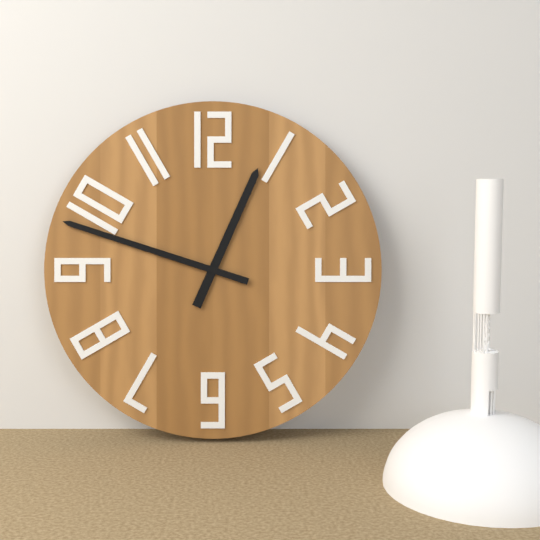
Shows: h=12 m=48
